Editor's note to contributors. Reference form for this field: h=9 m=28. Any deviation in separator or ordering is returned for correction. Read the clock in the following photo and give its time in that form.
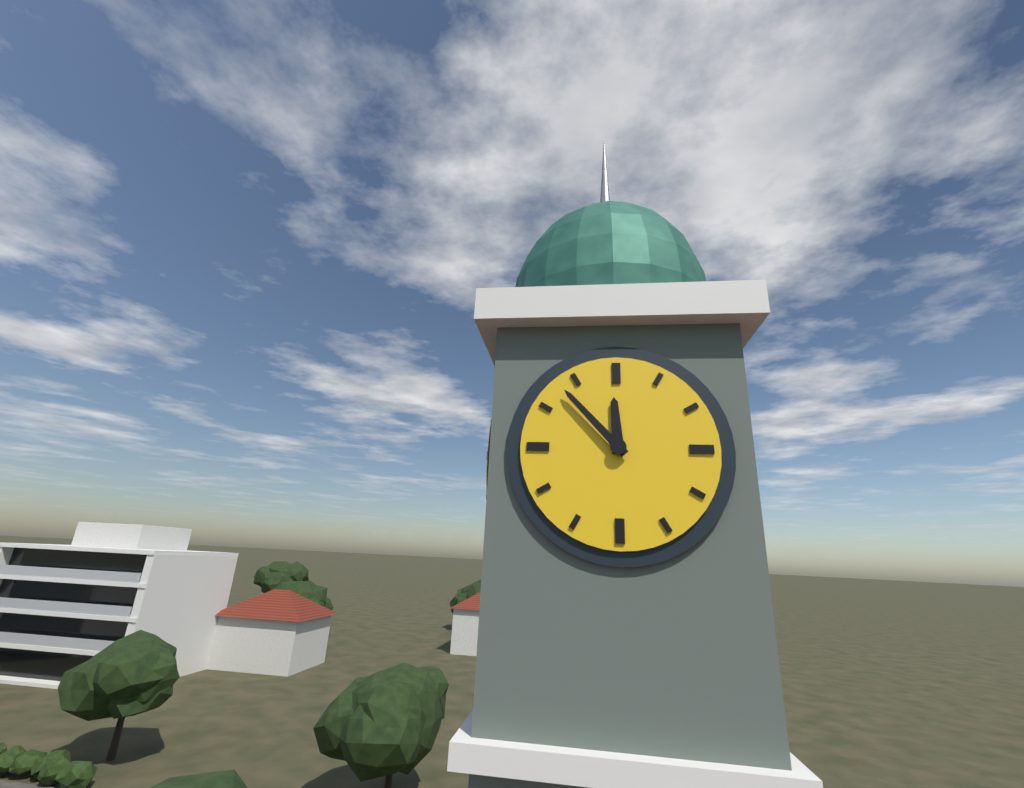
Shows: h=11 m=53
